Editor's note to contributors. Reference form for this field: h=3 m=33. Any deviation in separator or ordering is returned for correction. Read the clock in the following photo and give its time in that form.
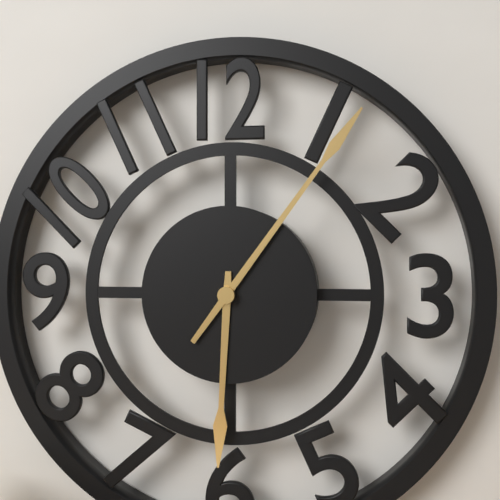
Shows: h=6 m=6
